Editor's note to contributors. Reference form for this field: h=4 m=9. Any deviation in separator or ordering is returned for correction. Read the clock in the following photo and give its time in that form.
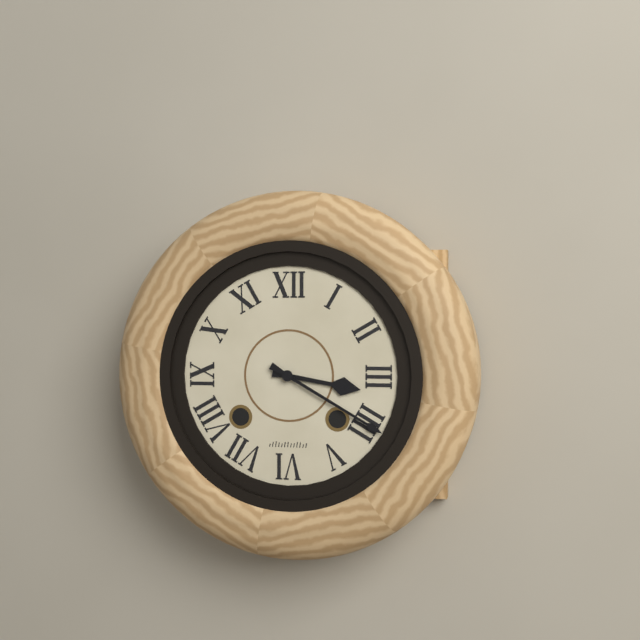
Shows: h=3 m=20
